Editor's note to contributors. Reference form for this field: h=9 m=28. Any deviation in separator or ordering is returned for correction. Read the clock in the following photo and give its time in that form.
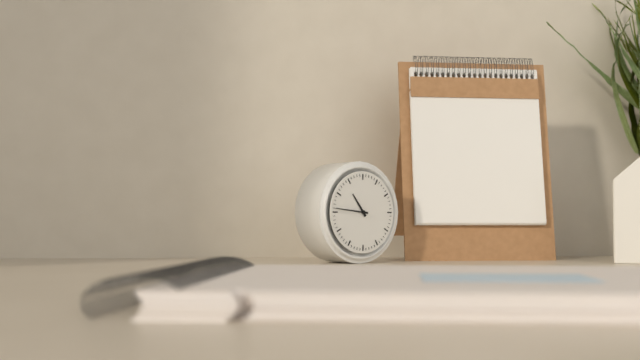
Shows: h=10 m=46
